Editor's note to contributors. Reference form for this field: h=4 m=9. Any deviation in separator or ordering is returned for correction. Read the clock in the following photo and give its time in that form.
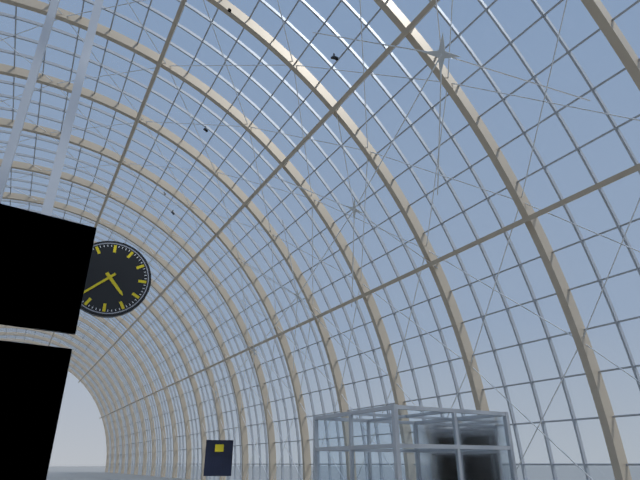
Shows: h=4 m=38
